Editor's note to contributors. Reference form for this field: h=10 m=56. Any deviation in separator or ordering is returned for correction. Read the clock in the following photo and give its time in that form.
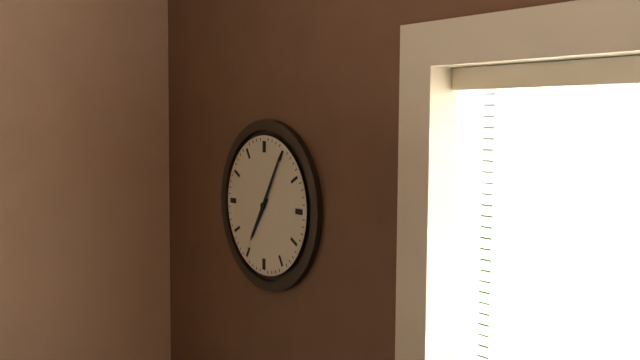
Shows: h=7 m=5
